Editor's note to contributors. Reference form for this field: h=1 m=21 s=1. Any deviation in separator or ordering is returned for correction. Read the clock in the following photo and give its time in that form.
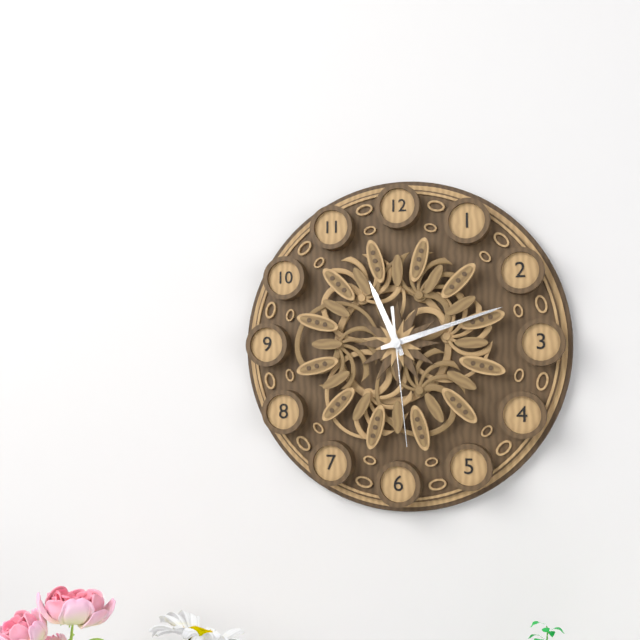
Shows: h=11 m=12 s=29
